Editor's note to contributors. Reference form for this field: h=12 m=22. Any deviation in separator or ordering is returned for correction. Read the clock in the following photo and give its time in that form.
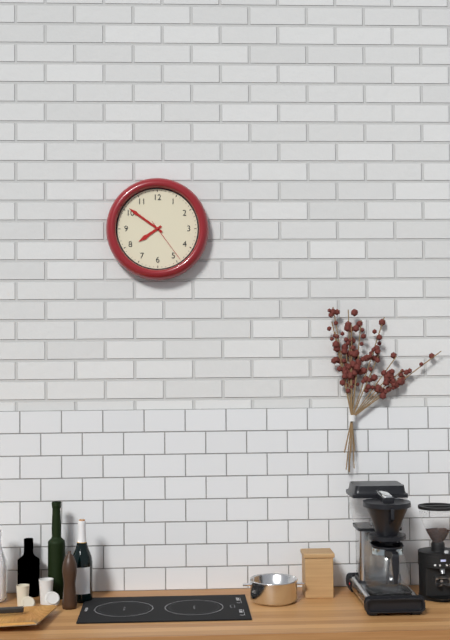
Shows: h=7 m=51
